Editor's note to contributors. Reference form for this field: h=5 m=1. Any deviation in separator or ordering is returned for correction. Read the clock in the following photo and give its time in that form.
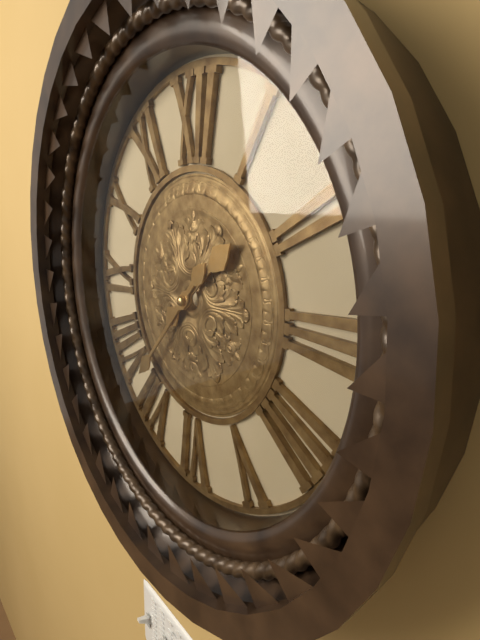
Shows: h=1 m=37
